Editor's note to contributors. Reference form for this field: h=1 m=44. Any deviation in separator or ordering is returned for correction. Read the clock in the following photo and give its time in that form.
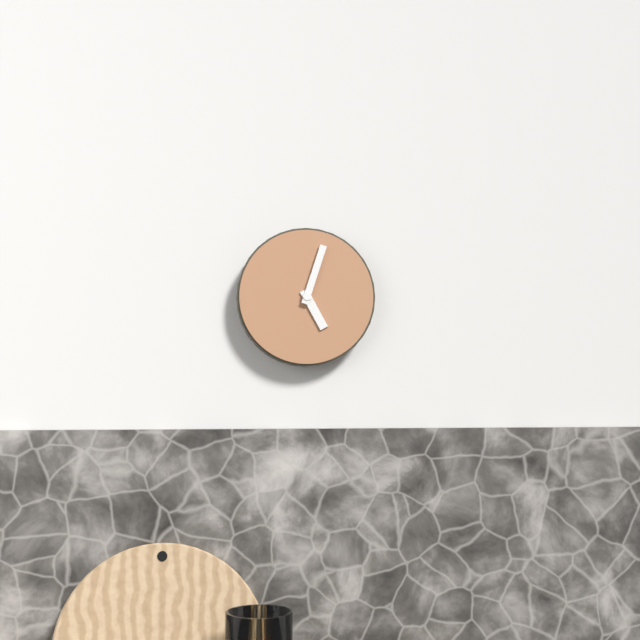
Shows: h=5 m=3
